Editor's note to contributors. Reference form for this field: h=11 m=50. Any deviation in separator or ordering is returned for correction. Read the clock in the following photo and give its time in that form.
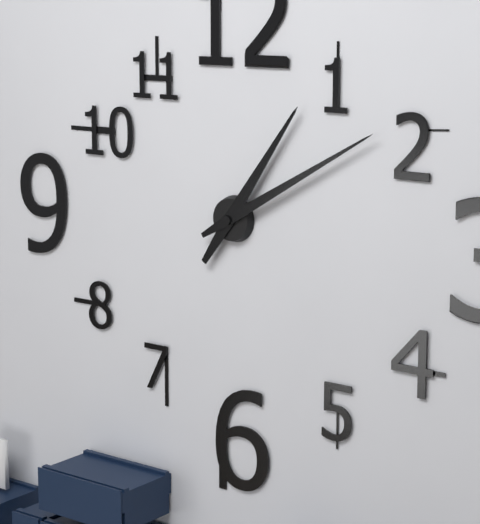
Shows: h=1 m=10
